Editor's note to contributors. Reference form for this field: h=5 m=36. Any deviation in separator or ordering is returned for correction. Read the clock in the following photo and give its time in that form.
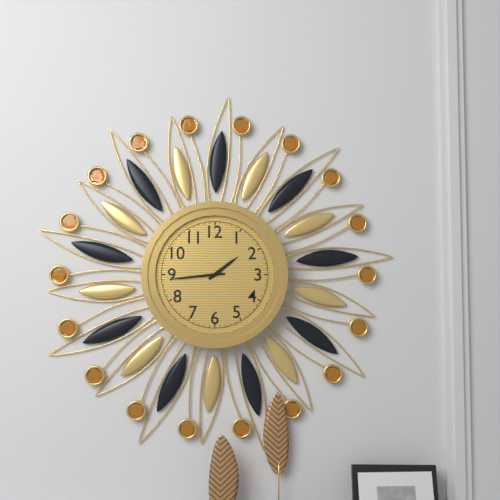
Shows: h=1 m=44
